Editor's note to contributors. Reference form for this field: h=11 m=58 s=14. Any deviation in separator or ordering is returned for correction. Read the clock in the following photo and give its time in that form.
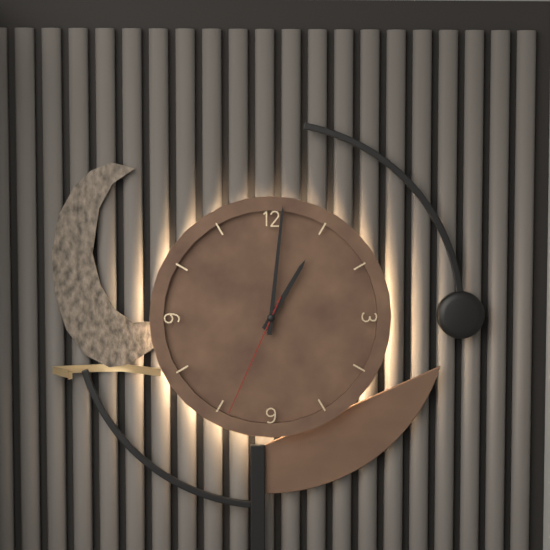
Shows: h=1 m=1 s=34
